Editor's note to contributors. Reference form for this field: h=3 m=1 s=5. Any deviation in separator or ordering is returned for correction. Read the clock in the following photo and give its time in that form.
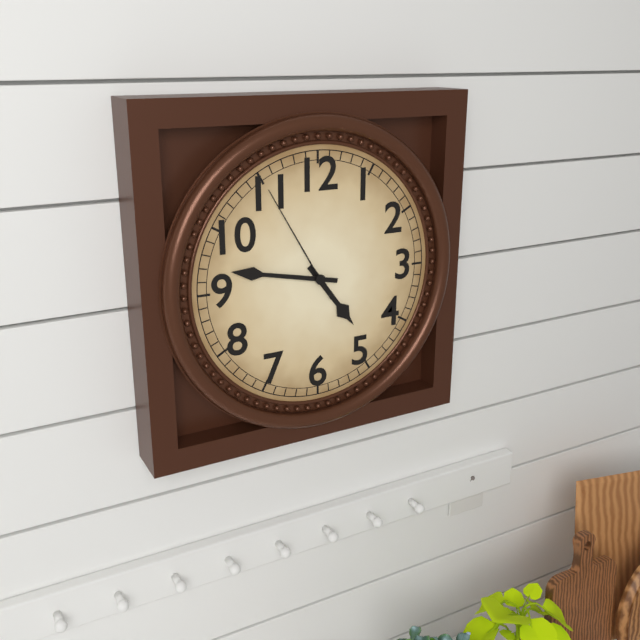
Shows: h=4 m=47 s=55
